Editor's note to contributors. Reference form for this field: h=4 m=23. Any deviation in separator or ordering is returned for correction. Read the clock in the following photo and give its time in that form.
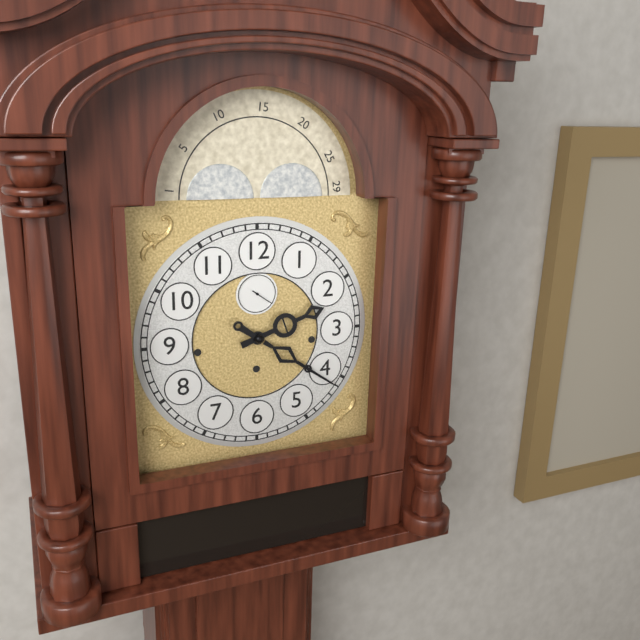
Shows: h=2 m=21
